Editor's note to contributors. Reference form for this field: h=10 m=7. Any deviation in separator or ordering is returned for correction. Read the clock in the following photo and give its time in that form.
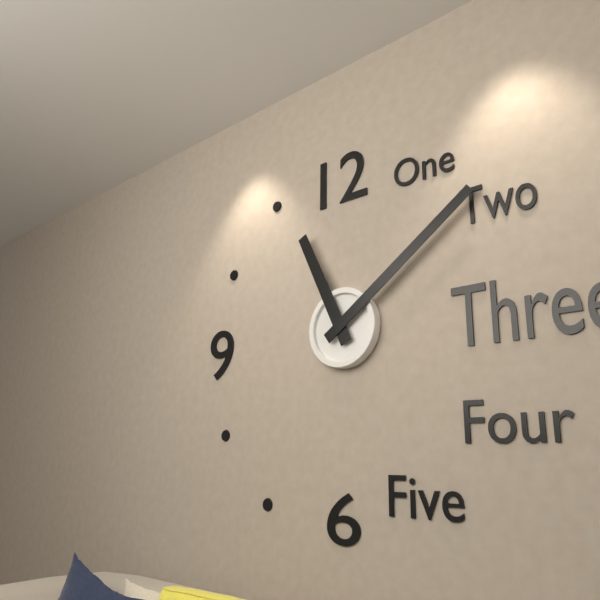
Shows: h=11 m=9
